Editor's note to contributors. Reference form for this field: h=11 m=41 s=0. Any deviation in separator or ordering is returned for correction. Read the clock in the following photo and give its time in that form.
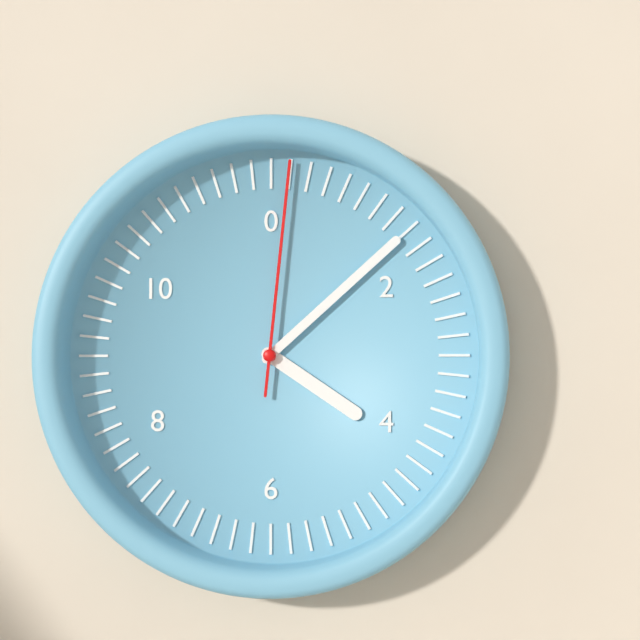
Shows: h=4 m=8 s=1
